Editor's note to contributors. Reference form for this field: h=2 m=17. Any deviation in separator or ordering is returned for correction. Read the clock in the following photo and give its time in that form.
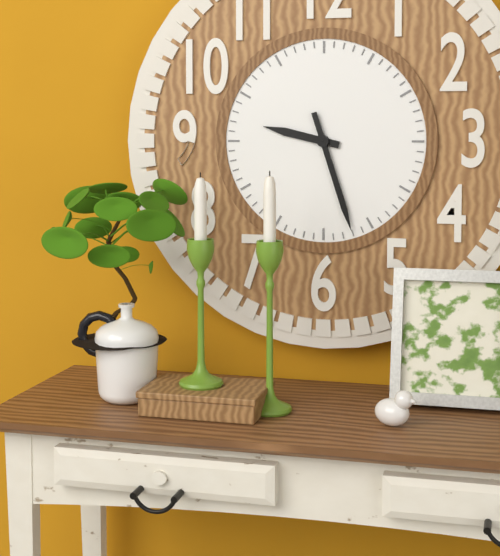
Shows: h=9 m=27
